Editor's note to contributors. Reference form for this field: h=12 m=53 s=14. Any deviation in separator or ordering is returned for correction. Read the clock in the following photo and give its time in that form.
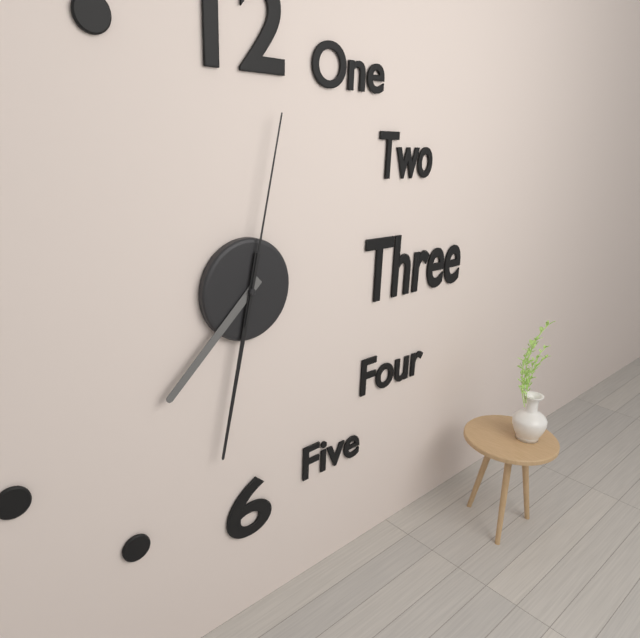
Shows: h=7 m=32 s=2
